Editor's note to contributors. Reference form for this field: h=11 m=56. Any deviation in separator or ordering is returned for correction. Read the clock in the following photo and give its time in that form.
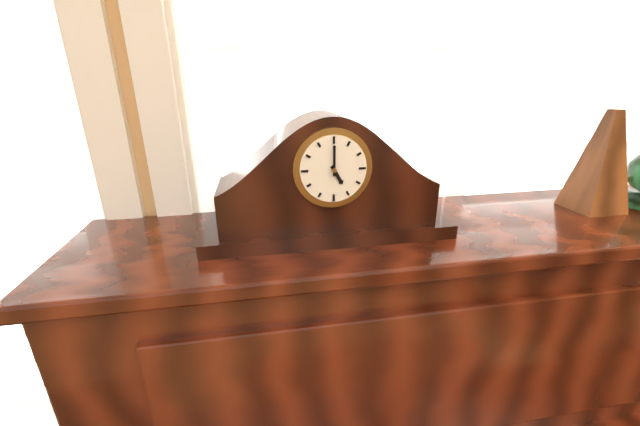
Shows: h=5 m=0
